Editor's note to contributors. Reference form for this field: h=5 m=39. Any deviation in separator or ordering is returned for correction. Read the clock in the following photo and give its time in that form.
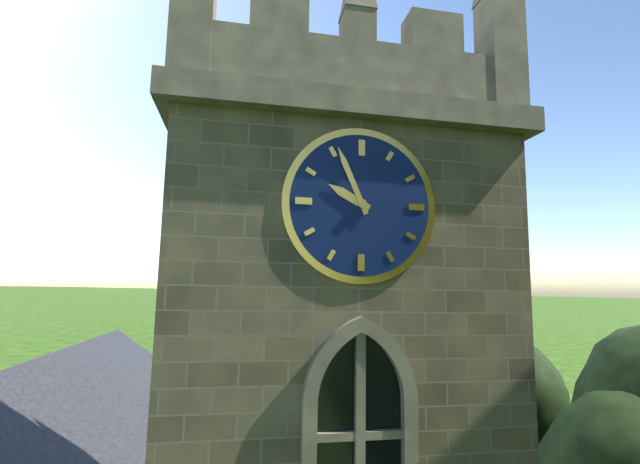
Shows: h=9 m=56
